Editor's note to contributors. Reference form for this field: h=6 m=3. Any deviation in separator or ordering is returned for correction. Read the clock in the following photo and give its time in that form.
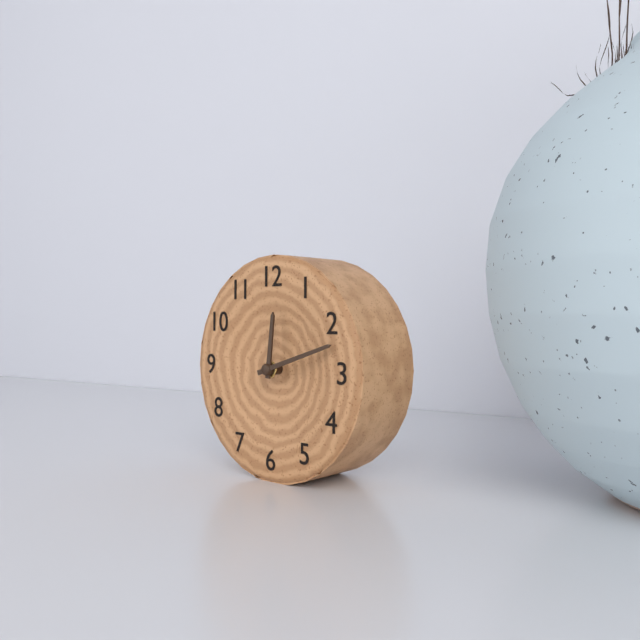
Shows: h=12 m=12
